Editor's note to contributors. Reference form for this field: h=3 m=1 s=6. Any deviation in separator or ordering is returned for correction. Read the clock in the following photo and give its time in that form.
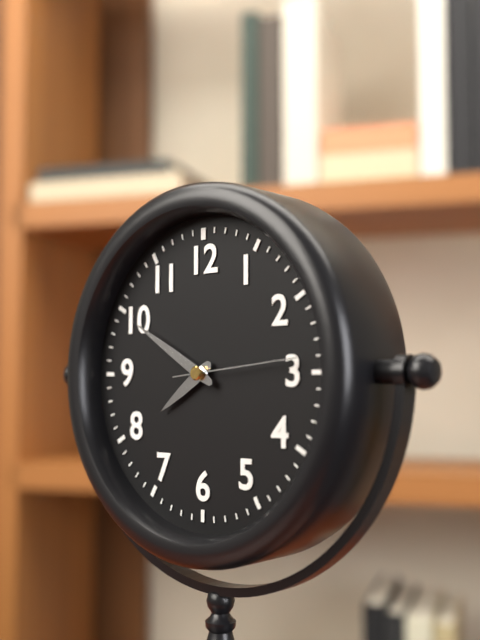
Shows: h=7 m=50 s=14
